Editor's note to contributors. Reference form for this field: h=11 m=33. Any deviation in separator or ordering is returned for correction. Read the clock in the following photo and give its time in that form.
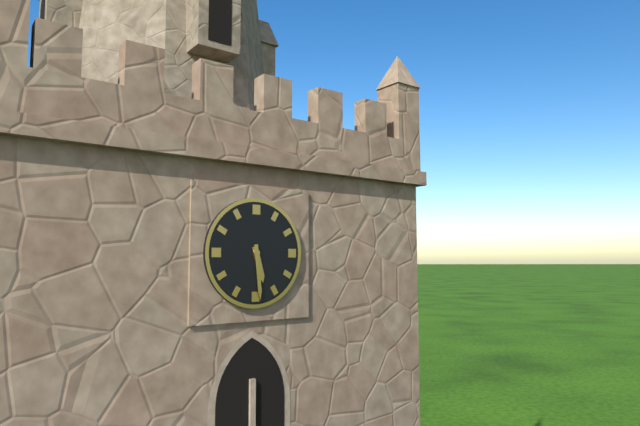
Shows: h=5 m=29
